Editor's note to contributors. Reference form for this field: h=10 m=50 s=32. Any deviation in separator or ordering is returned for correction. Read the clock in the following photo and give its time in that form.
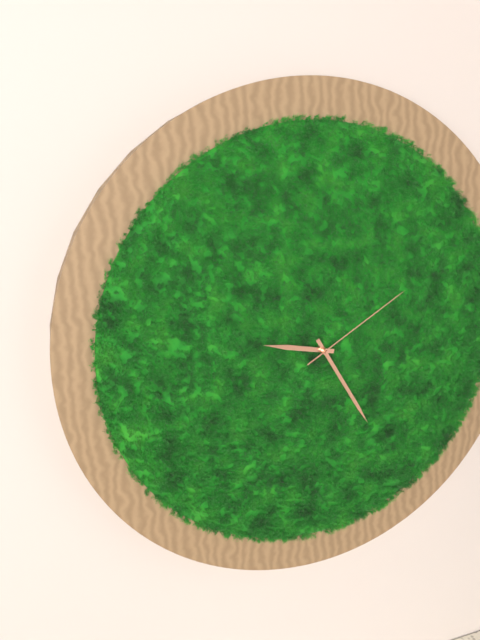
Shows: h=9 m=25 s=10
